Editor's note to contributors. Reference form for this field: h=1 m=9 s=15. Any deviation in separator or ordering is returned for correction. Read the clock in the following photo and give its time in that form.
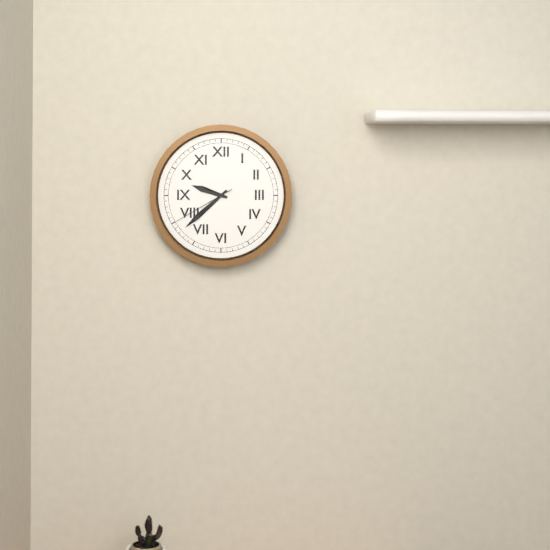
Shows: h=9 m=38 s=40
